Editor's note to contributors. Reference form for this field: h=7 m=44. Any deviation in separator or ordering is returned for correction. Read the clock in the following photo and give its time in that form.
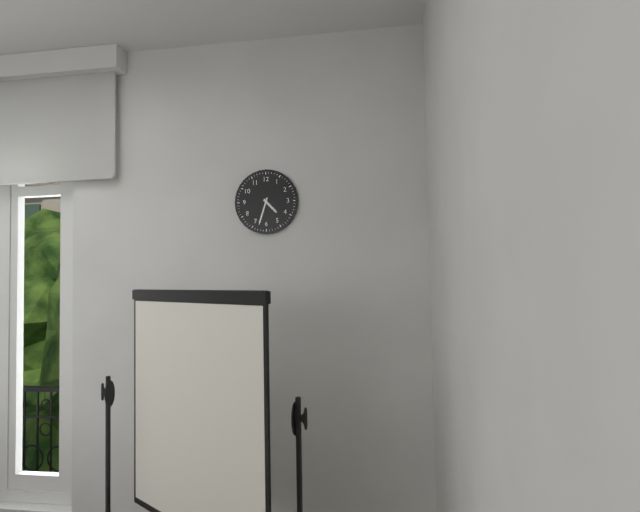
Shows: h=4 m=33
